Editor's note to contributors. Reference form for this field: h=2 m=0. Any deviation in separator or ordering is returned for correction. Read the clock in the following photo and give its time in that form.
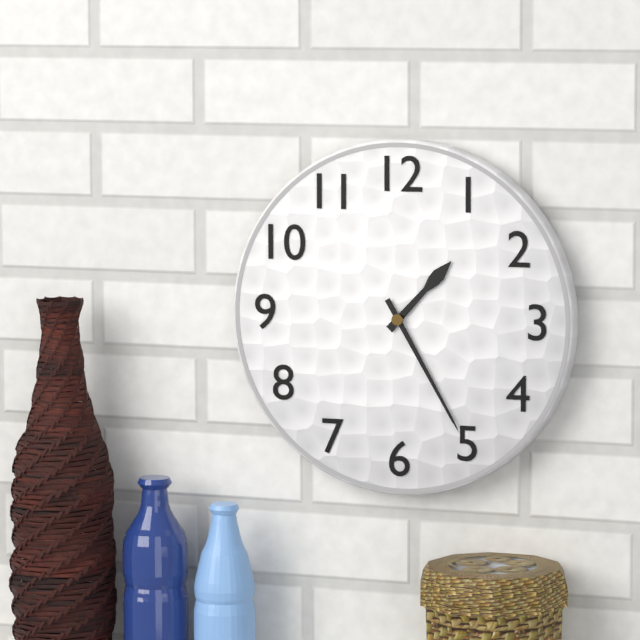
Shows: h=1 m=25
